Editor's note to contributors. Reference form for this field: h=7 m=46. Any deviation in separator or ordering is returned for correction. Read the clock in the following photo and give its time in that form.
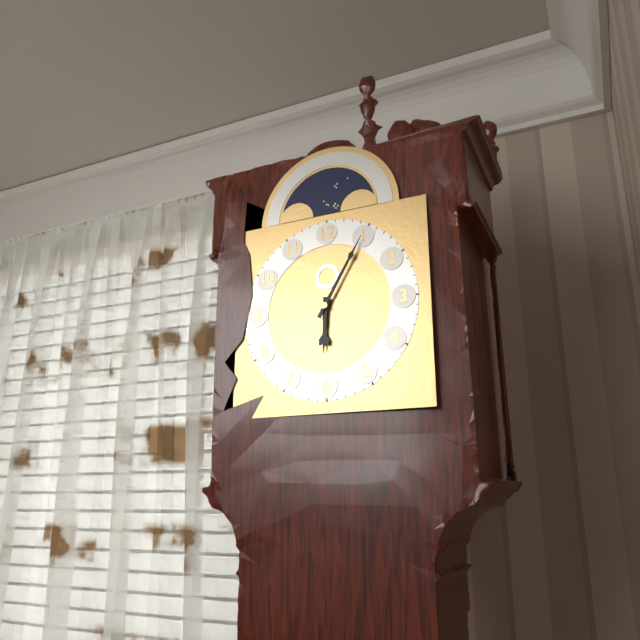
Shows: h=6 m=5
